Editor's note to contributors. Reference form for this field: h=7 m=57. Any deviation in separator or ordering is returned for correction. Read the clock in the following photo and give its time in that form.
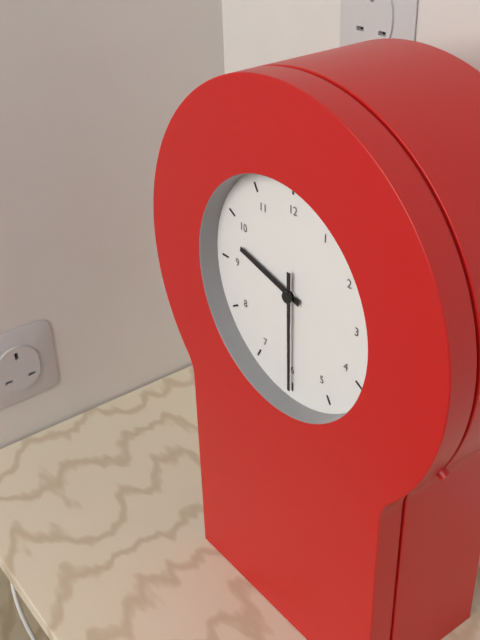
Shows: h=9 m=30
